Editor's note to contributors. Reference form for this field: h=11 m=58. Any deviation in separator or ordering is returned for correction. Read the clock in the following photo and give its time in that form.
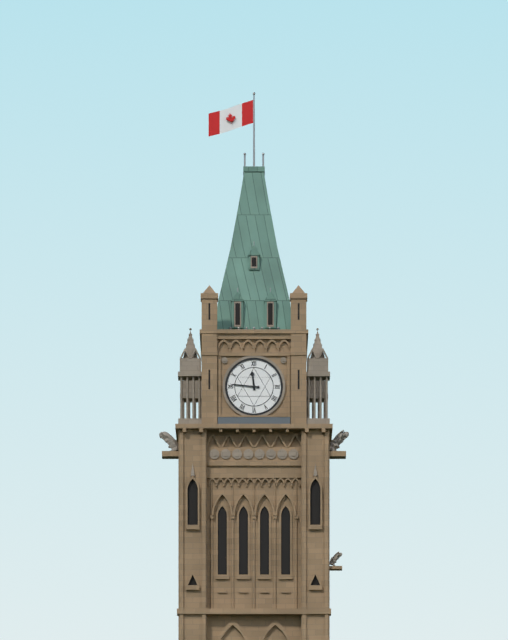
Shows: h=11 m=46
